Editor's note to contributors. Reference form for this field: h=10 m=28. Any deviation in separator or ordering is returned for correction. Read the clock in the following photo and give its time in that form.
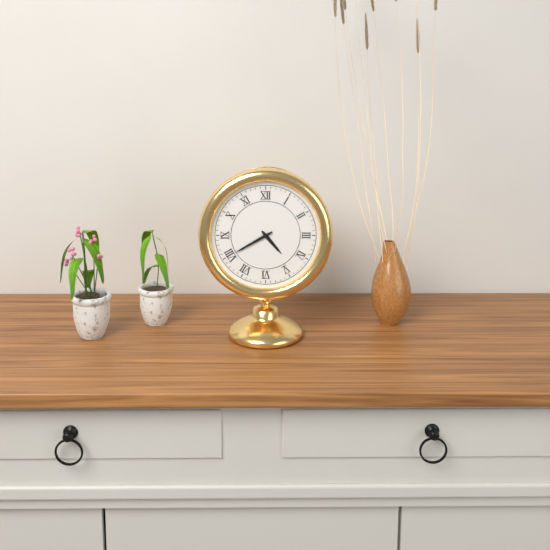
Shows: h=4 m=40
